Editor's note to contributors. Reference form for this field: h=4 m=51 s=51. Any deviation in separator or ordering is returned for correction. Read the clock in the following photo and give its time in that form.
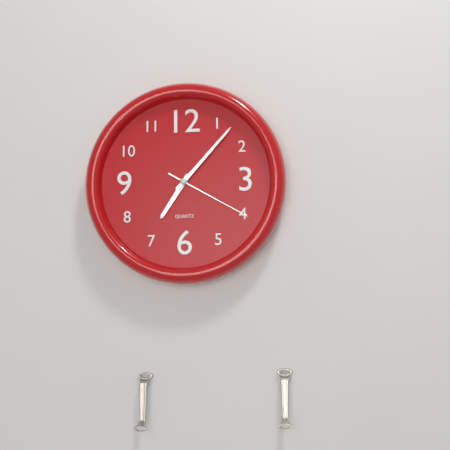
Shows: h=7 m=7 s=20
